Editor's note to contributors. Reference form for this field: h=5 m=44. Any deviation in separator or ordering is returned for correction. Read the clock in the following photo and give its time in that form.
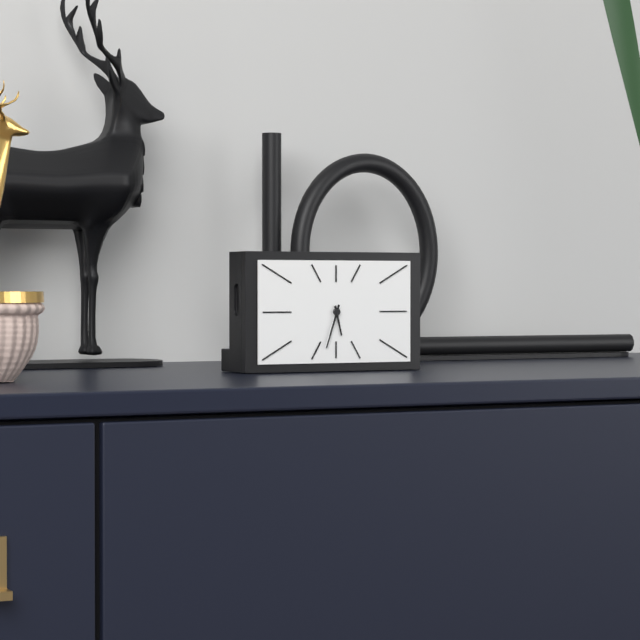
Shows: h=5 m=33
